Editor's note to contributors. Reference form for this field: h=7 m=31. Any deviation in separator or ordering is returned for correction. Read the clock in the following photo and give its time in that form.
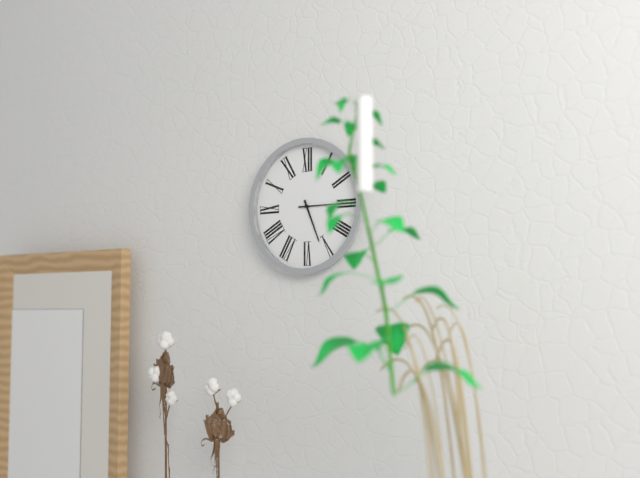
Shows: h=5 m=15
